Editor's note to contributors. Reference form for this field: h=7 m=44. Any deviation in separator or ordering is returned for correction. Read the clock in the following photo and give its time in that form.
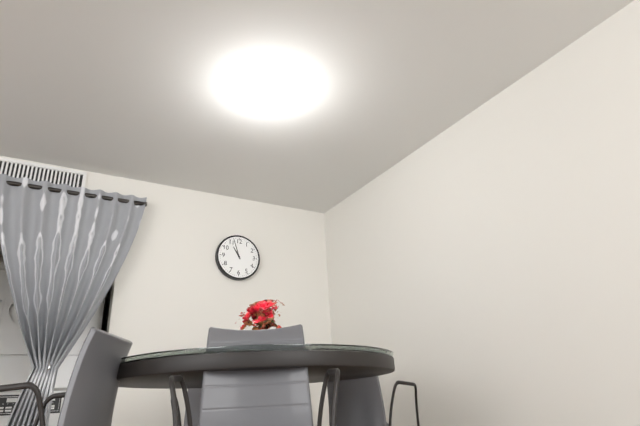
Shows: h=10 m=57
